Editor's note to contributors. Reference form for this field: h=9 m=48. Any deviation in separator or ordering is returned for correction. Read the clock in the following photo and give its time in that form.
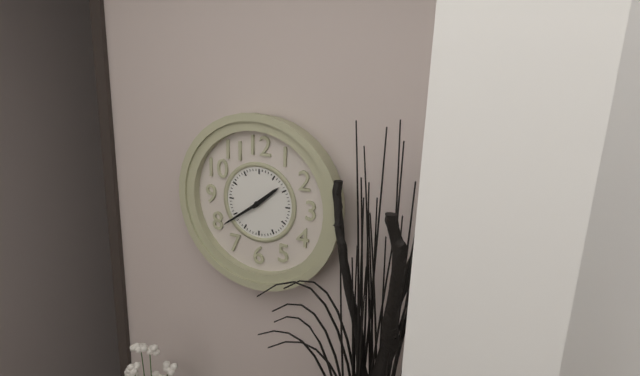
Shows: h=1 m=39
